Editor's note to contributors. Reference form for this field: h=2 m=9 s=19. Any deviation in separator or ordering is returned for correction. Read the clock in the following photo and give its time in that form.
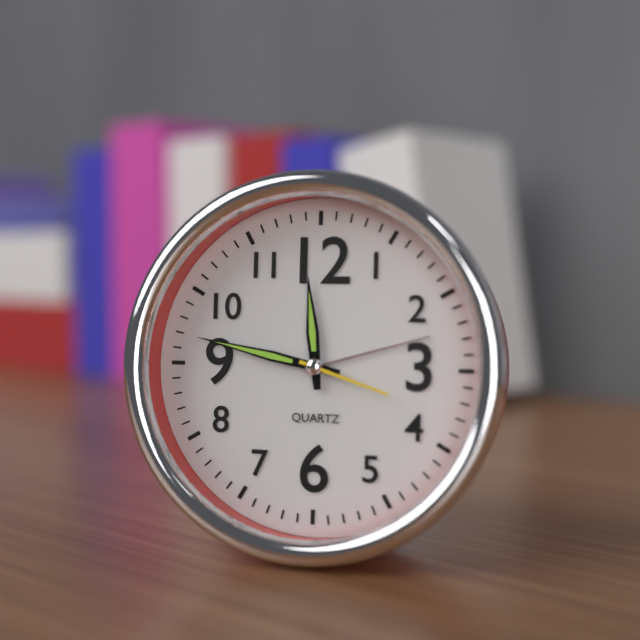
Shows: h=11 m=47 s=18
